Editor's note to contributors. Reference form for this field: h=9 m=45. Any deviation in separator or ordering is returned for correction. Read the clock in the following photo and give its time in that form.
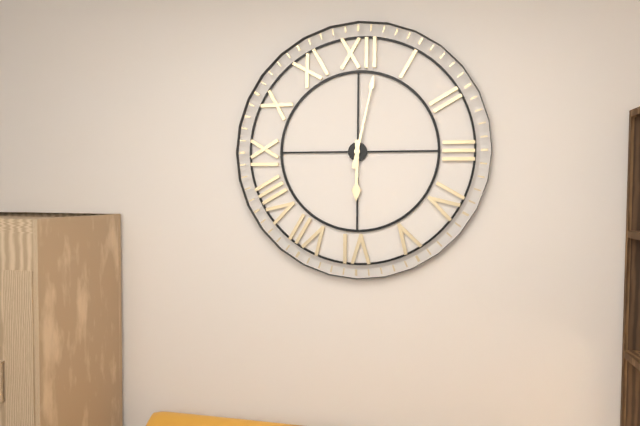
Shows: h=6 m=2
